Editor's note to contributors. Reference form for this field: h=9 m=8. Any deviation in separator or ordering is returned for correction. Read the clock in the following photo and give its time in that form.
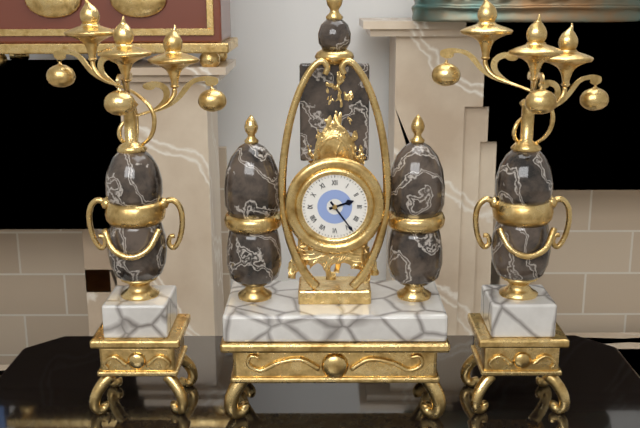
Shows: h=2 m=24
